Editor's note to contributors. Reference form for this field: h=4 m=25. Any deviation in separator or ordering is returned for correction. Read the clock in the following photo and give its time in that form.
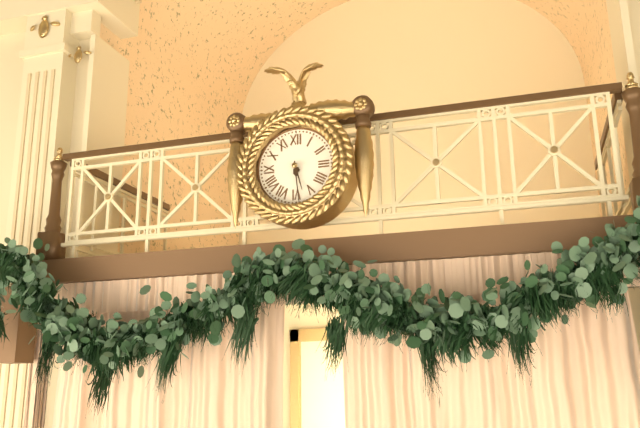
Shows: h=5 m=29
